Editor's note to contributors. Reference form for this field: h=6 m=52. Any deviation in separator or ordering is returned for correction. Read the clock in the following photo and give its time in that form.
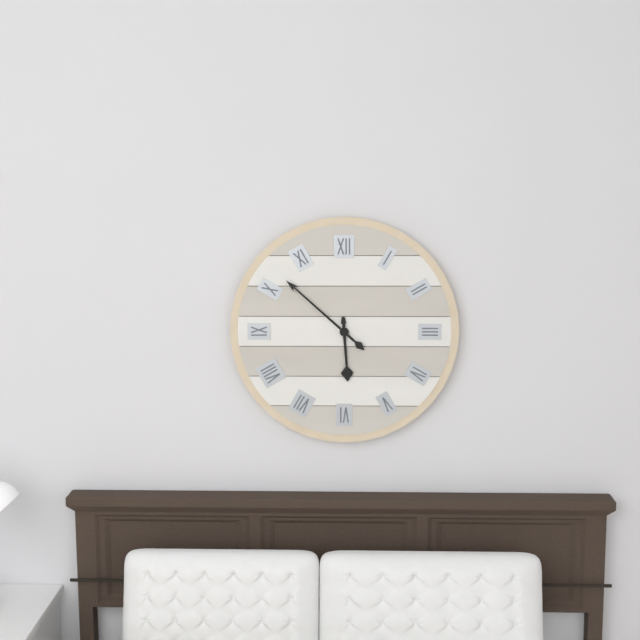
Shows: h=5 m=52
